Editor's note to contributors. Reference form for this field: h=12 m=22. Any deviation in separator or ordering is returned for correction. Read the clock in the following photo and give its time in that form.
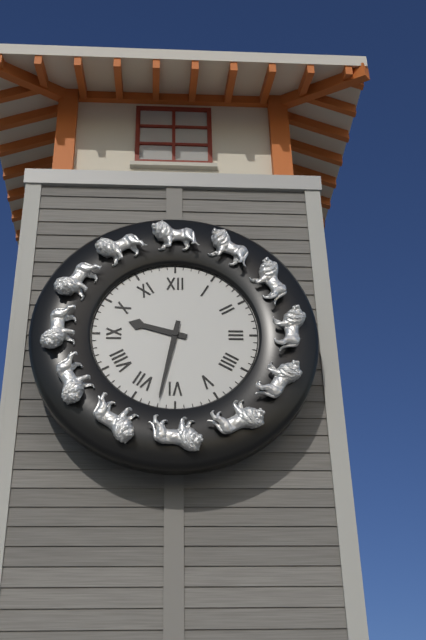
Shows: h=9 m=32
